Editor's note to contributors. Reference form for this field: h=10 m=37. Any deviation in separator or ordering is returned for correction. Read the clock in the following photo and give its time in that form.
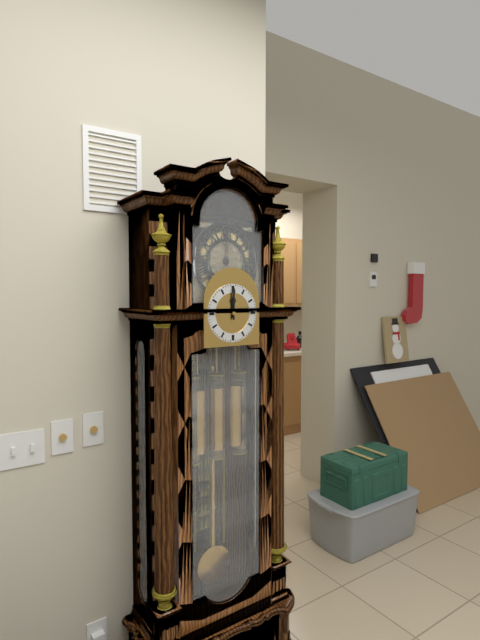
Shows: h=12 m=0
